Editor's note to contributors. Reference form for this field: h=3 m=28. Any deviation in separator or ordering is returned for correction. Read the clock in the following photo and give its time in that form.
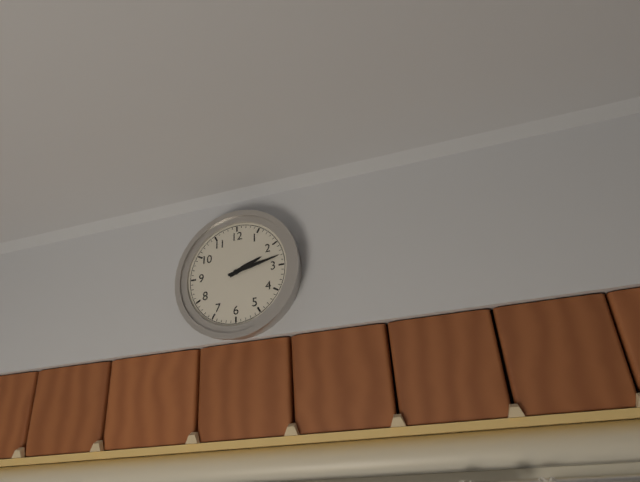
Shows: h=2 m=13
